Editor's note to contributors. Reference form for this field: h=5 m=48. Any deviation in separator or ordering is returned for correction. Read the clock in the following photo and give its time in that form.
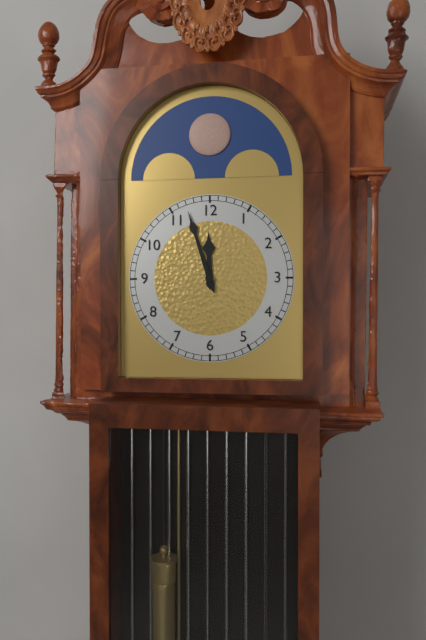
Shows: h=11 m=57
